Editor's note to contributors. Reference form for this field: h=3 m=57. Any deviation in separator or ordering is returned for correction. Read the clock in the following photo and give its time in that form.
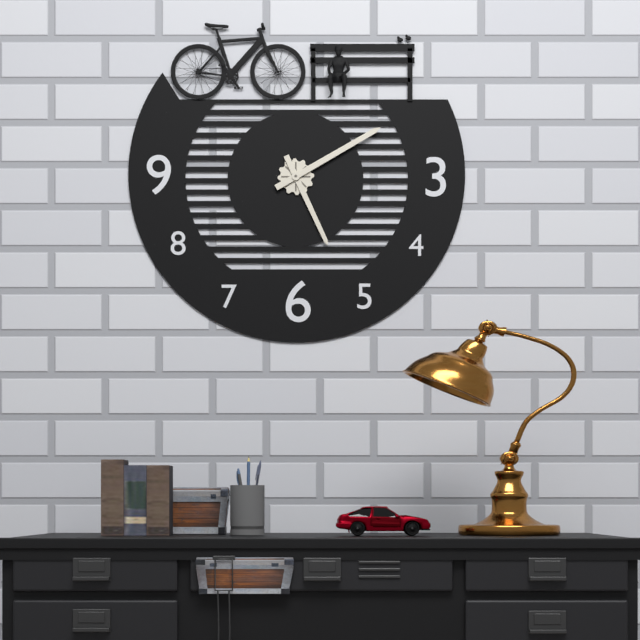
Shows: h=5 m=10
